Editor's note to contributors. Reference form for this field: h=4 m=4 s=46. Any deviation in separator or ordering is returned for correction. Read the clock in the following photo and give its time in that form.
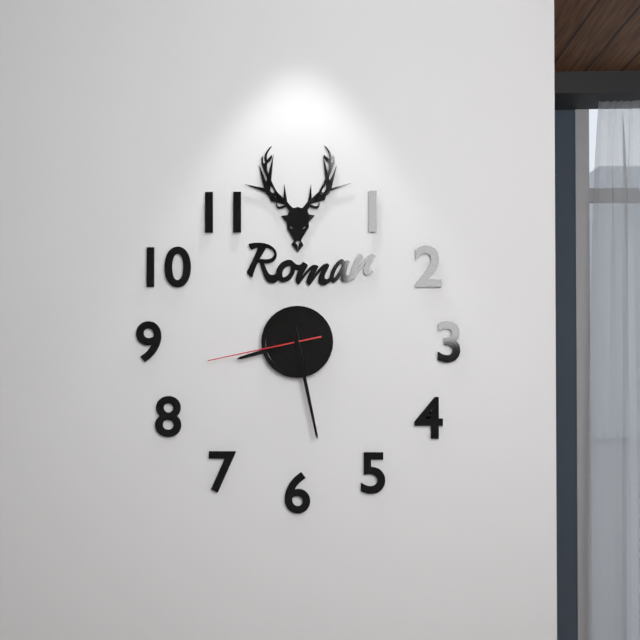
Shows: h=8 m=28 s=43
